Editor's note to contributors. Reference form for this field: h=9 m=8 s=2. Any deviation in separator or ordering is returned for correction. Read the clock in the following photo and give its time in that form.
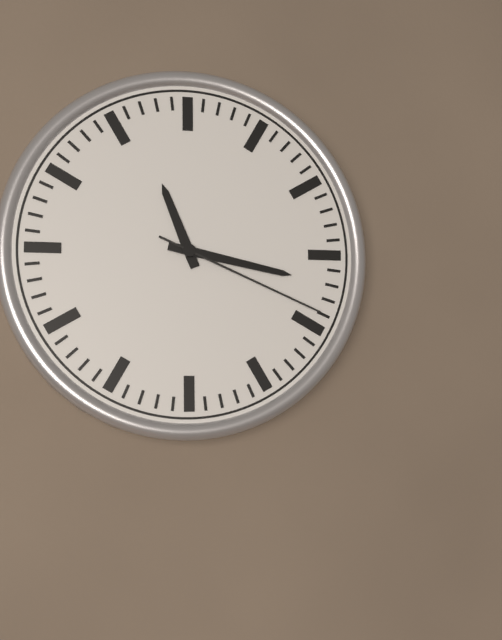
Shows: h=11 m=17 s=19
